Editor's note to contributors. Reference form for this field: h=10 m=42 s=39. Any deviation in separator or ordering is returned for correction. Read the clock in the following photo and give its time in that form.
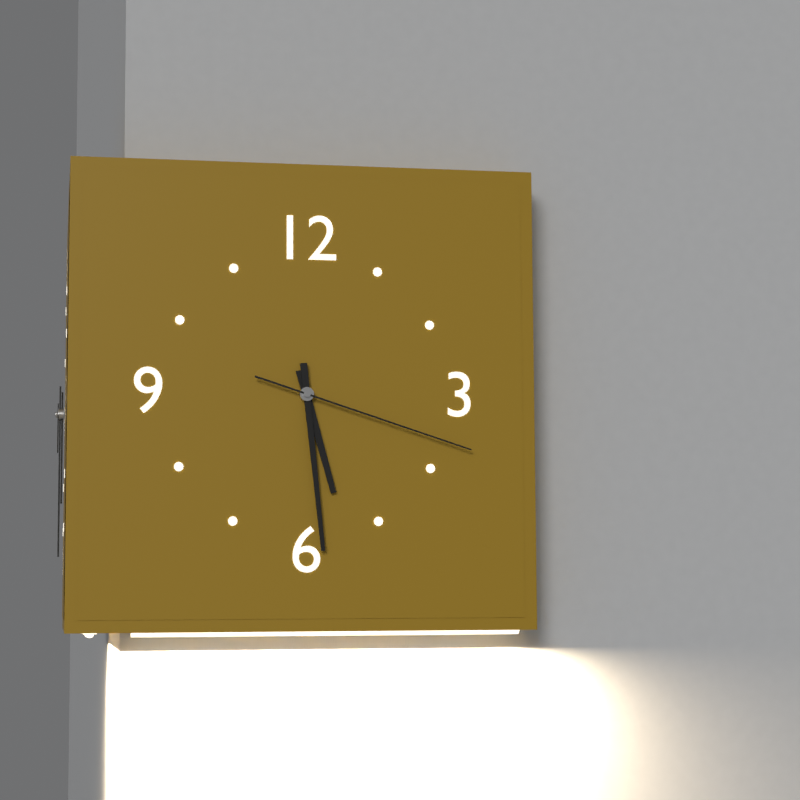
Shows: h=5 m=29 s=18
